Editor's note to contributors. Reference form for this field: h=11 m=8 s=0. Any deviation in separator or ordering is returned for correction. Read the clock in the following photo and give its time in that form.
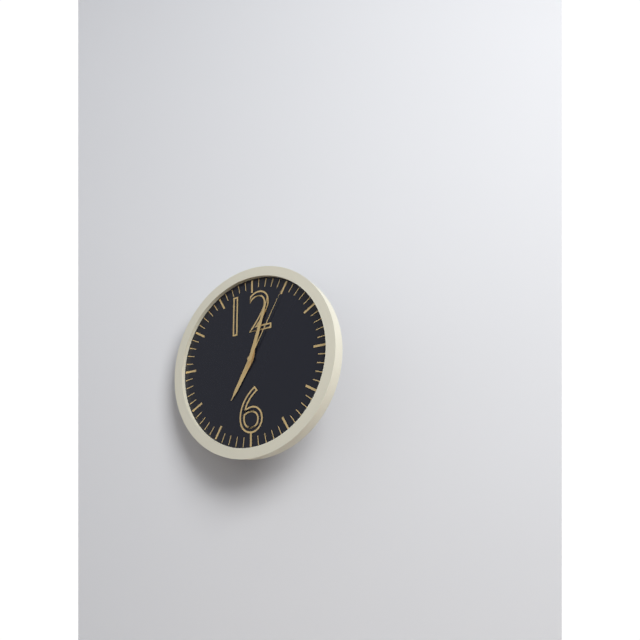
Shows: h=7 m=3 s=5
